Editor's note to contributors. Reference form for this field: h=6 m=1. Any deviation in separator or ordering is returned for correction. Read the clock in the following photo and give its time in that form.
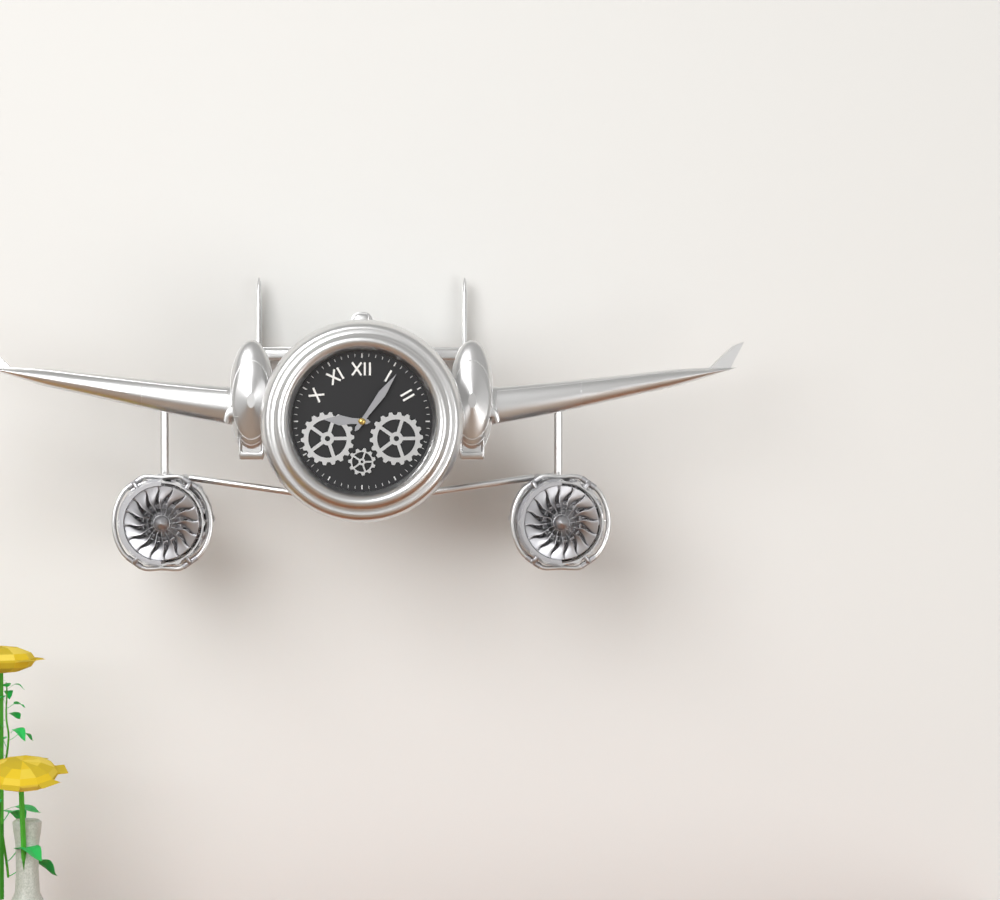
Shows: h=9 m=6
